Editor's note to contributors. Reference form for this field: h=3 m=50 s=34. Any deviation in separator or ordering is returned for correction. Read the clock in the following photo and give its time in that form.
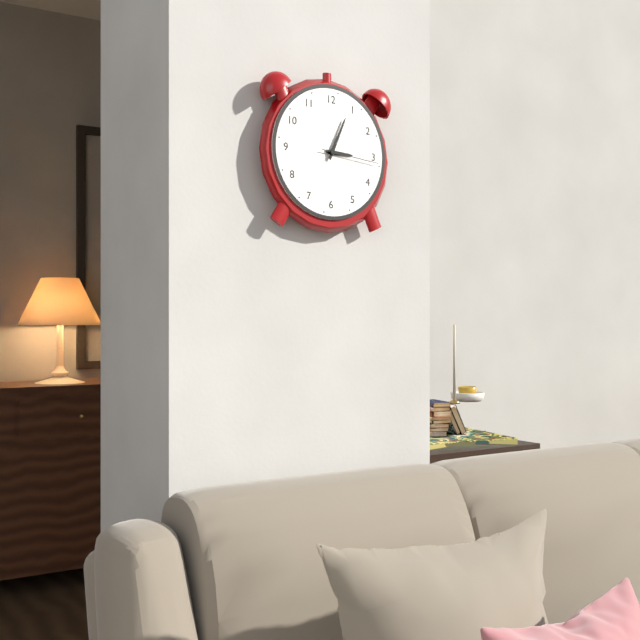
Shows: h=3 m=4 s=16
